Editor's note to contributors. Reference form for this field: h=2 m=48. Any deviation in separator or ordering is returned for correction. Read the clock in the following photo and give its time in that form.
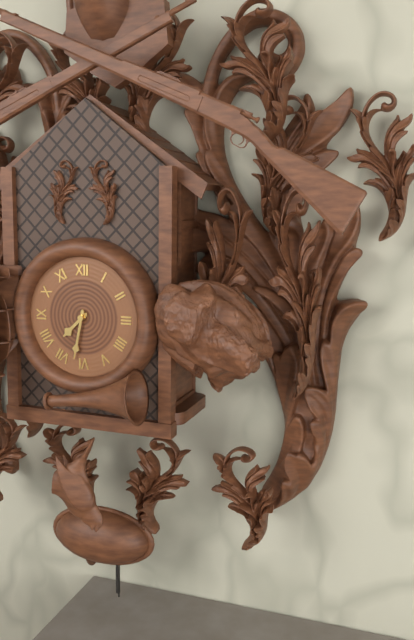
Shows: h=7 m=32
